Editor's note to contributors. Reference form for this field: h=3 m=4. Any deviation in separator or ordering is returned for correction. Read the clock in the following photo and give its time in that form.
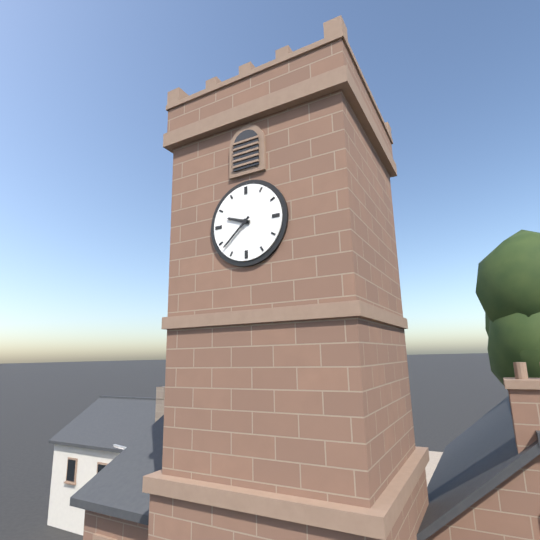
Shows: h=9 m=38
